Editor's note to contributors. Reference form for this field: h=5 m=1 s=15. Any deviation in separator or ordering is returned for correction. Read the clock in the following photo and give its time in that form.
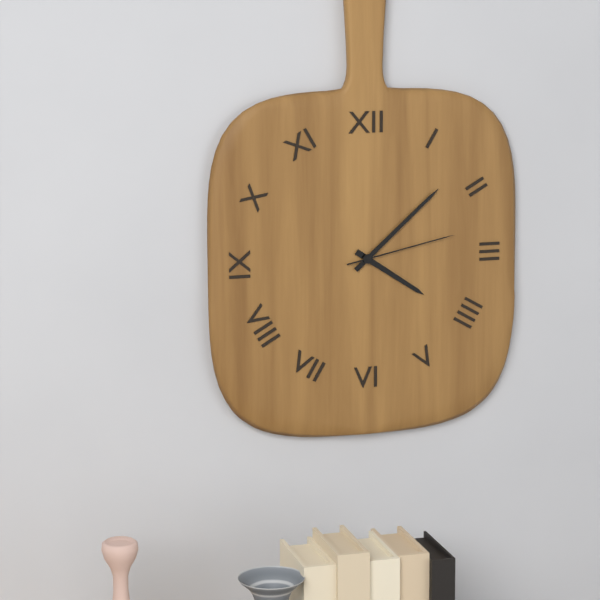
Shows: h=4 m=8 s=13
